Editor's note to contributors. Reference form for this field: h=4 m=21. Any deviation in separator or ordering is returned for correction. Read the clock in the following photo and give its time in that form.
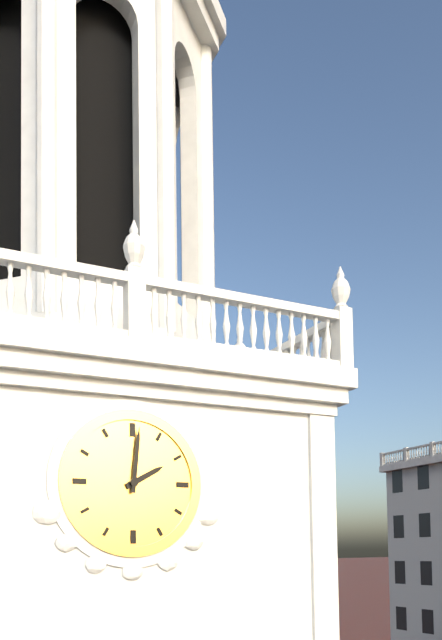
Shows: h=2 m=1
